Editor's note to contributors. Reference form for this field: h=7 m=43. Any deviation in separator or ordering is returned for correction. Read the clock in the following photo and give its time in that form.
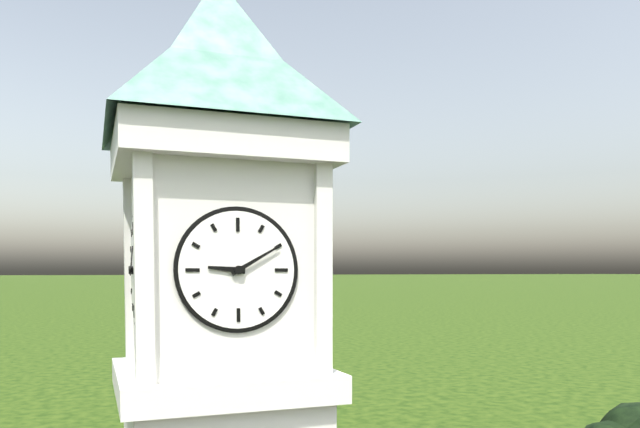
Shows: h=9 m=10
